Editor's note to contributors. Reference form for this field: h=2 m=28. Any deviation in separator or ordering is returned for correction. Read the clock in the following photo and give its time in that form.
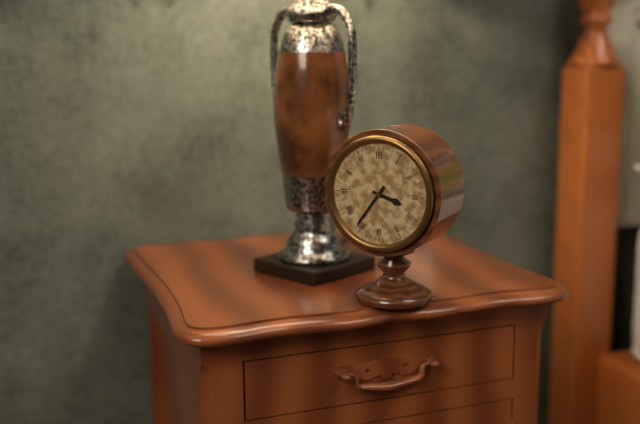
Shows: h=3 m=36
